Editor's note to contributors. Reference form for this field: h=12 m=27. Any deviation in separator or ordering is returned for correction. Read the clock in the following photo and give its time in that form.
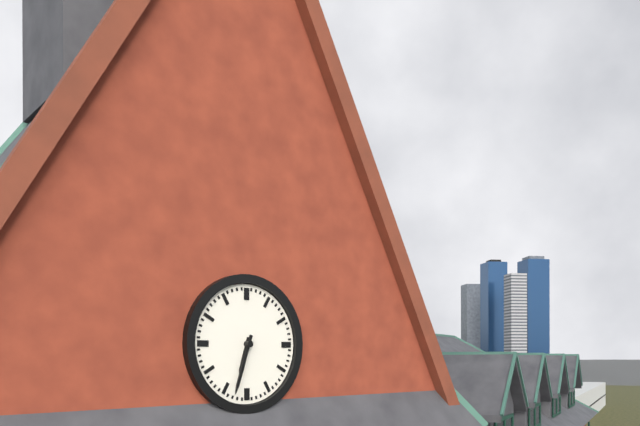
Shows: h=6 m=33
